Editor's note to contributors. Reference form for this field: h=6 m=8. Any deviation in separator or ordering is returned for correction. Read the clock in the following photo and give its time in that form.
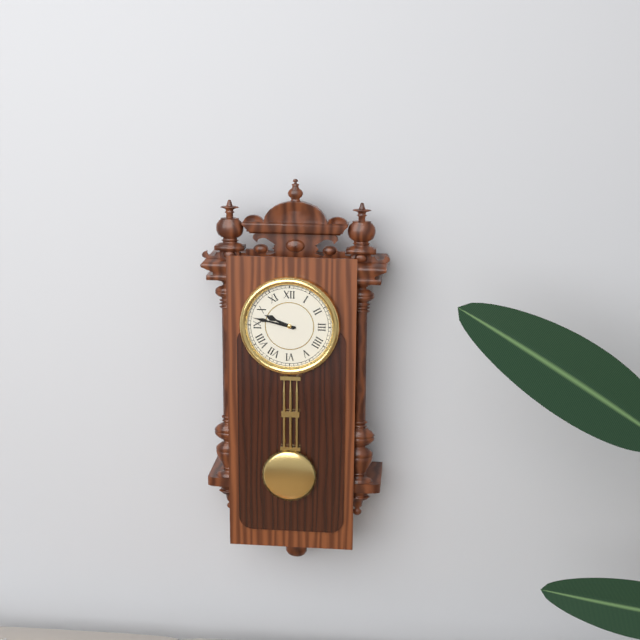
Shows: h=9 m=47
